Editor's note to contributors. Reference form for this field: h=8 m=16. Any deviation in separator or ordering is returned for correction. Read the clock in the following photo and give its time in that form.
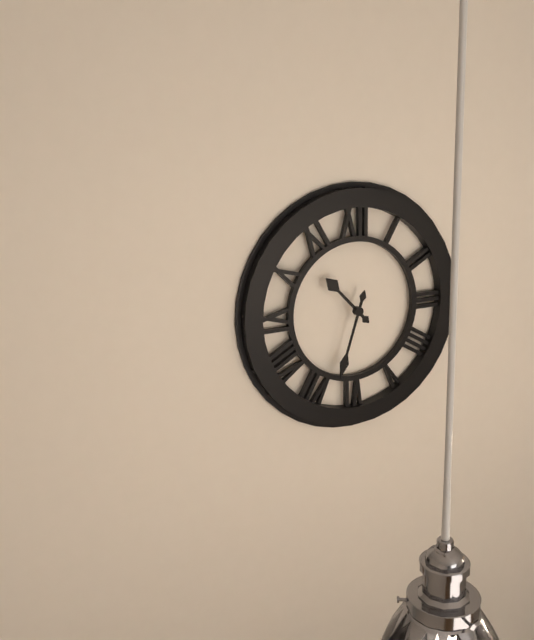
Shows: h=10 m=33
